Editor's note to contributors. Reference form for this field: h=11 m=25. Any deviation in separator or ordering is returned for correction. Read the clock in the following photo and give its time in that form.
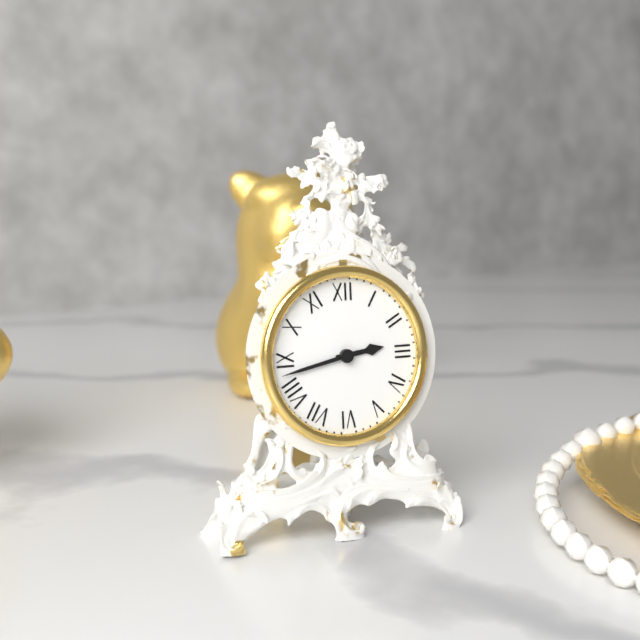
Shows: h=2 m=43
